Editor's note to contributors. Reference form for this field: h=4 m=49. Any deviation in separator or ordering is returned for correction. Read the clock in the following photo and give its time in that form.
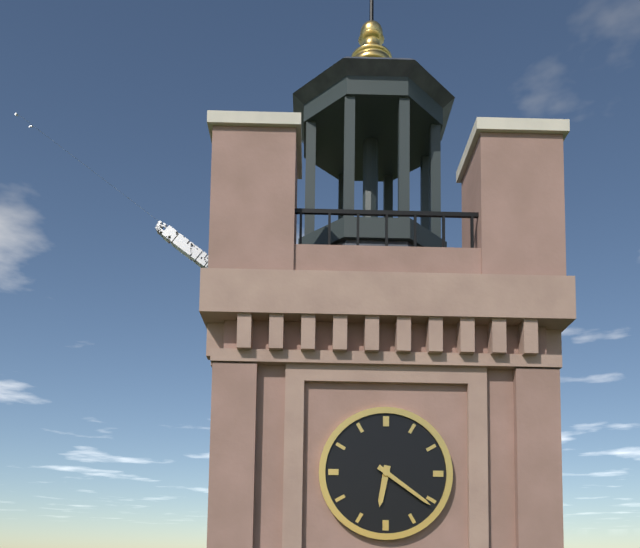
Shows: h=6 m=21
